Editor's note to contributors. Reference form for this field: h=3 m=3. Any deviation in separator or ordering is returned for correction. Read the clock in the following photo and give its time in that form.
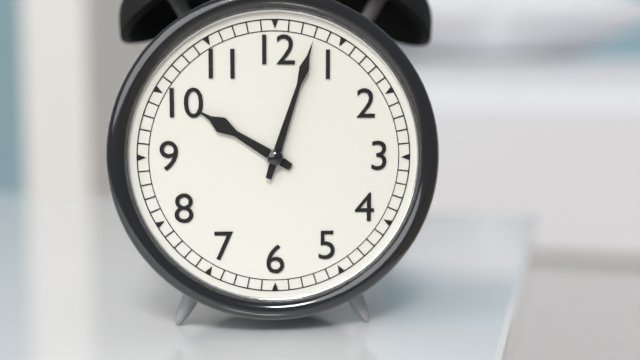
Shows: h=10 m=3
